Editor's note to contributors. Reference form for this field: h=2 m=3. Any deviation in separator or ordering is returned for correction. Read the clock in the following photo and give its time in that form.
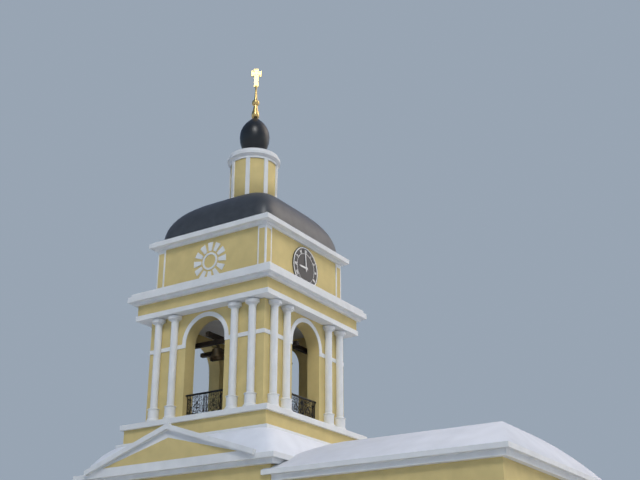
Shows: h=8 m=59
